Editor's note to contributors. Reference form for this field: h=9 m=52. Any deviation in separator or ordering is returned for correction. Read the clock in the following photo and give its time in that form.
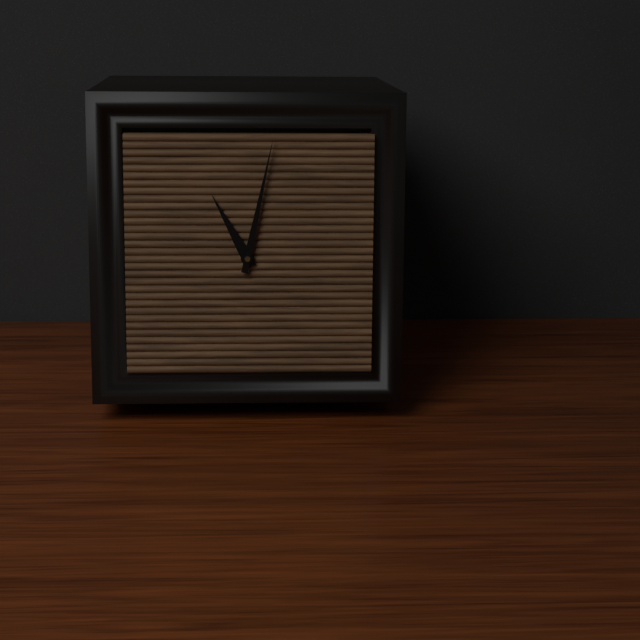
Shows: h=11 m=2
